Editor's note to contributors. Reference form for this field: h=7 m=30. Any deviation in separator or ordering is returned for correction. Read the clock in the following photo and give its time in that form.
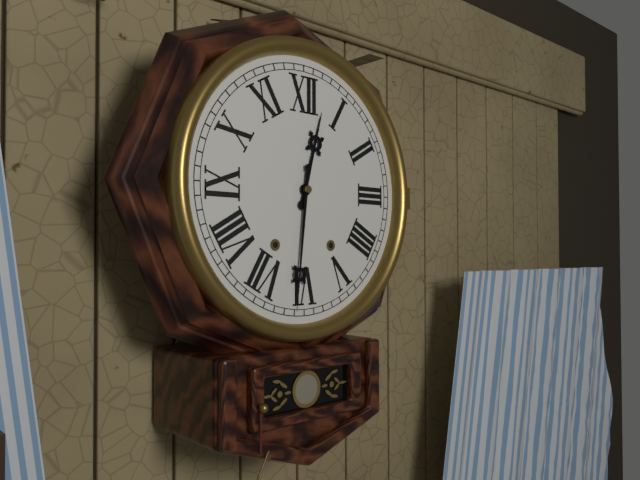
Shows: h=12 m=31
